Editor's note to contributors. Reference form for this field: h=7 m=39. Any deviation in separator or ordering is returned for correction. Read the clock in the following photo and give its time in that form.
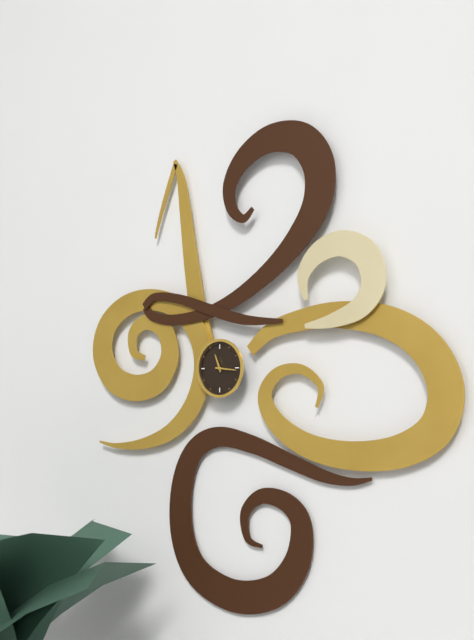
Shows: h=11 m=16
